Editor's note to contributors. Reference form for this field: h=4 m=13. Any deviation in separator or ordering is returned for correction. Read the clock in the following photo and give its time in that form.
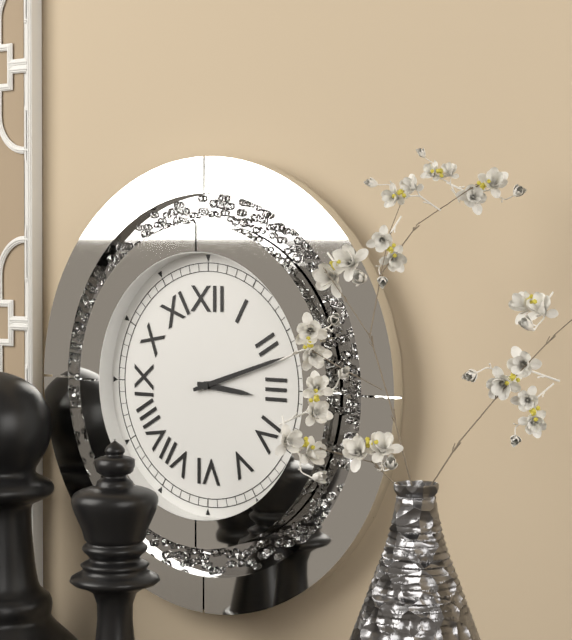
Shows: h=3 m=12
